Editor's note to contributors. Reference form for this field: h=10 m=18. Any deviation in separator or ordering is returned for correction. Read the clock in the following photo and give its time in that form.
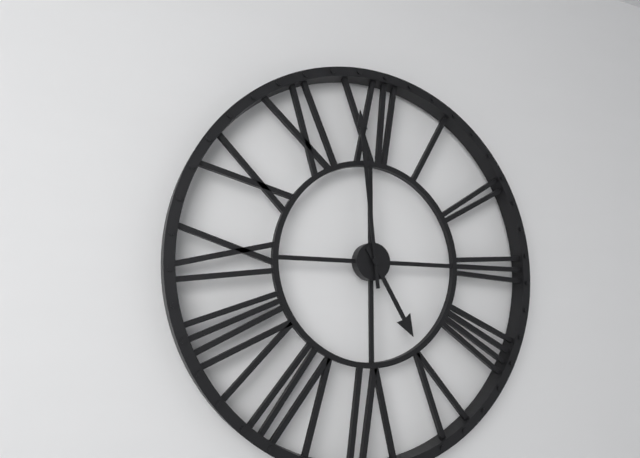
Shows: h=4 m=59
